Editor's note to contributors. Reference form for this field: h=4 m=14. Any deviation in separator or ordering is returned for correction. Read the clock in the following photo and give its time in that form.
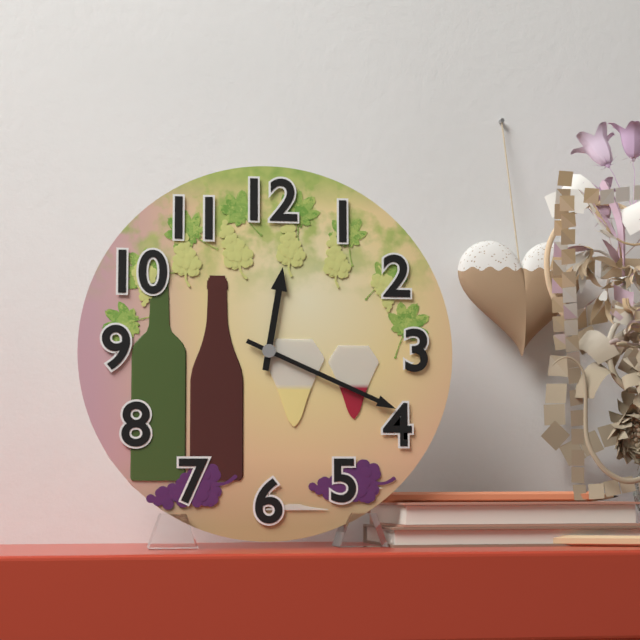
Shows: h=12 m=19
